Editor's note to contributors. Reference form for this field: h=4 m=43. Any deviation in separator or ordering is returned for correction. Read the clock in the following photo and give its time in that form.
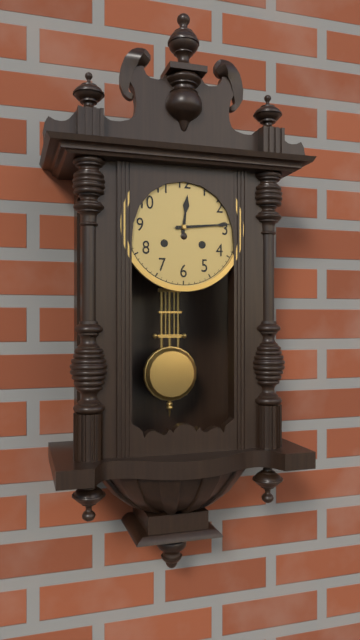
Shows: h=12 m=14
